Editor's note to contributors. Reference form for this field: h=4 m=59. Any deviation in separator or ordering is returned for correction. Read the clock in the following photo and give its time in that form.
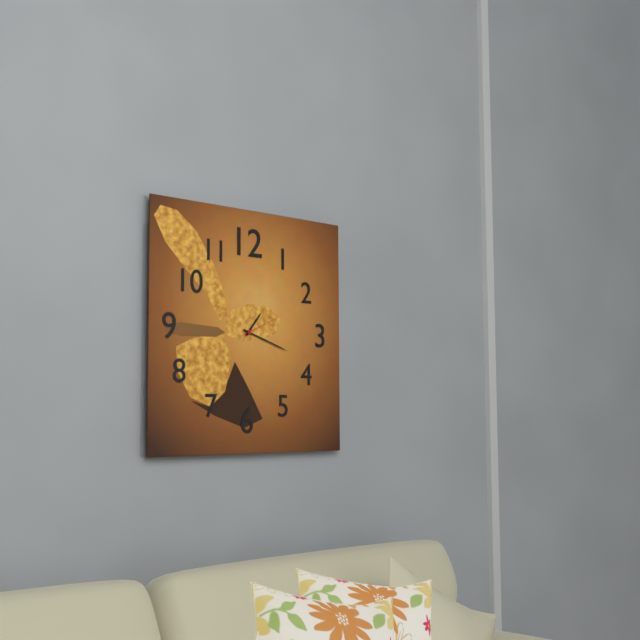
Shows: h=1 m=18
